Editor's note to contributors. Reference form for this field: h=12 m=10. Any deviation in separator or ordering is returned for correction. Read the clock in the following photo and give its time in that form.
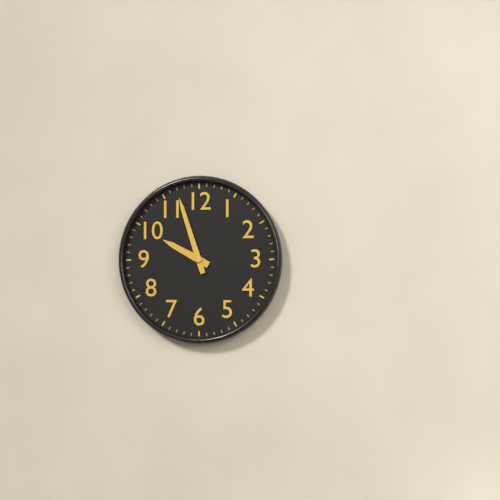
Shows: h=9 m=57
